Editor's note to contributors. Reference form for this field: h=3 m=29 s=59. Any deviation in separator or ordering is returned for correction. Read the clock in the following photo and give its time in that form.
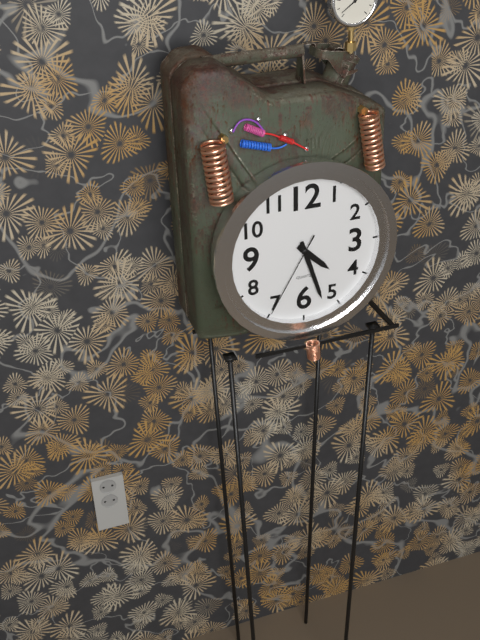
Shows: h=4 m=27 s=35
